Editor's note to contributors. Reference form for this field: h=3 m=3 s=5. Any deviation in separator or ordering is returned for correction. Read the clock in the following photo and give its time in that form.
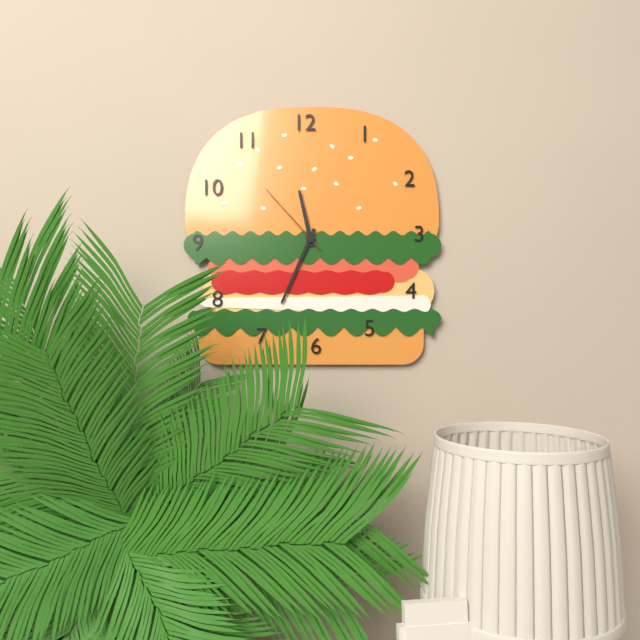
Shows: h=11 m=34 s=53
